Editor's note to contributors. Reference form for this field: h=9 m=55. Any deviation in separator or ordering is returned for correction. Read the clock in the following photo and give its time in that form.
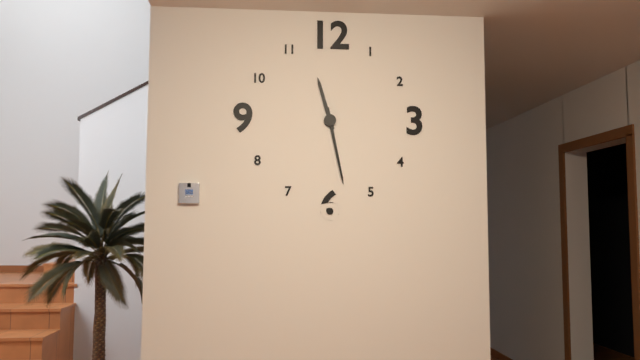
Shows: h=11 m=28
